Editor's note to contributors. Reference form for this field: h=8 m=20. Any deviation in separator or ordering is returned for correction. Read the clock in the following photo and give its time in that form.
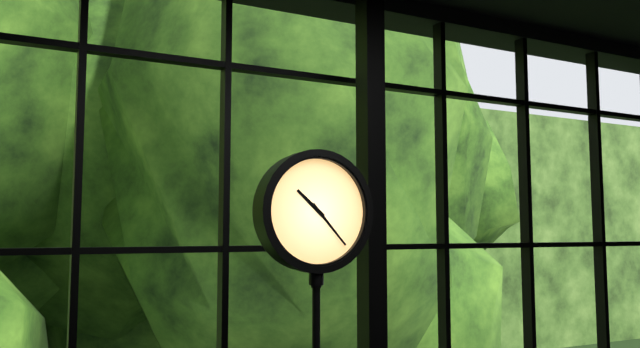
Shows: h=10 m=23
